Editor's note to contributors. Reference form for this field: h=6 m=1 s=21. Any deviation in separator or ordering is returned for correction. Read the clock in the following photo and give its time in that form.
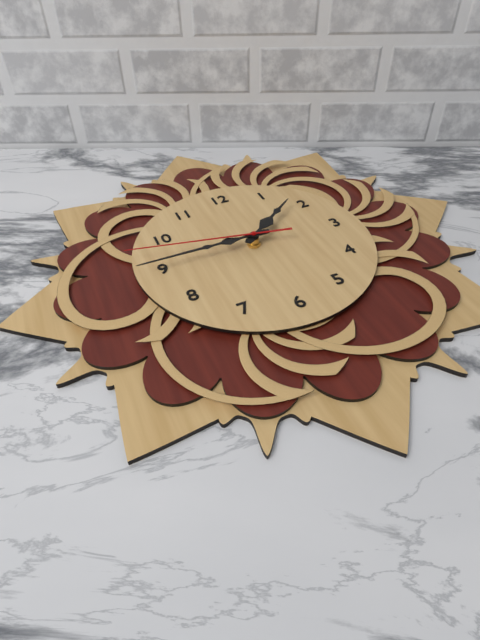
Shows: h=1 m=45 s=47
